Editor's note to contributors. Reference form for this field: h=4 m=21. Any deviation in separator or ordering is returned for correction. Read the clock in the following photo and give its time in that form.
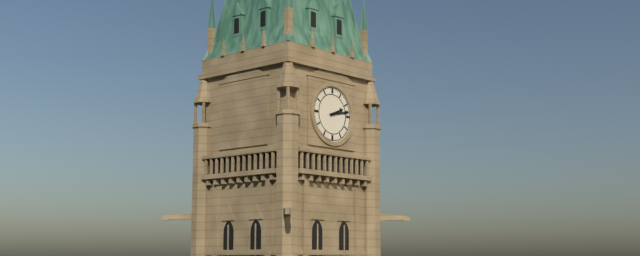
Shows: h=2 m=13
